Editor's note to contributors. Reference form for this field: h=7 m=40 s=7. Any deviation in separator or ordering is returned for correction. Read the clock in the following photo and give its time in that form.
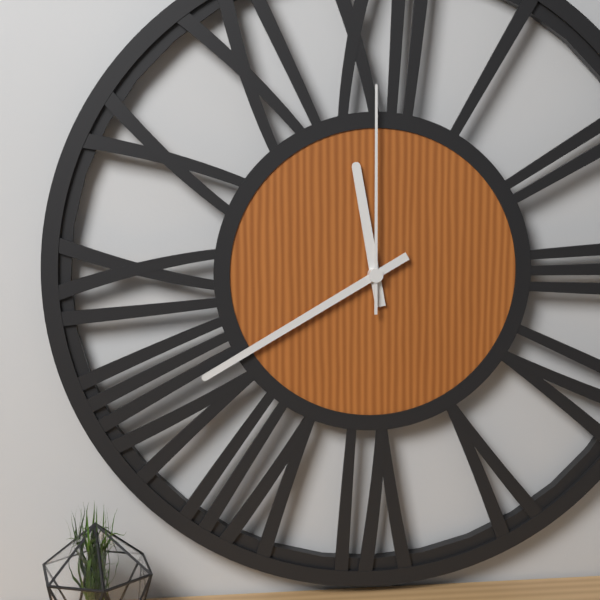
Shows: h=11 m=40 s=0
